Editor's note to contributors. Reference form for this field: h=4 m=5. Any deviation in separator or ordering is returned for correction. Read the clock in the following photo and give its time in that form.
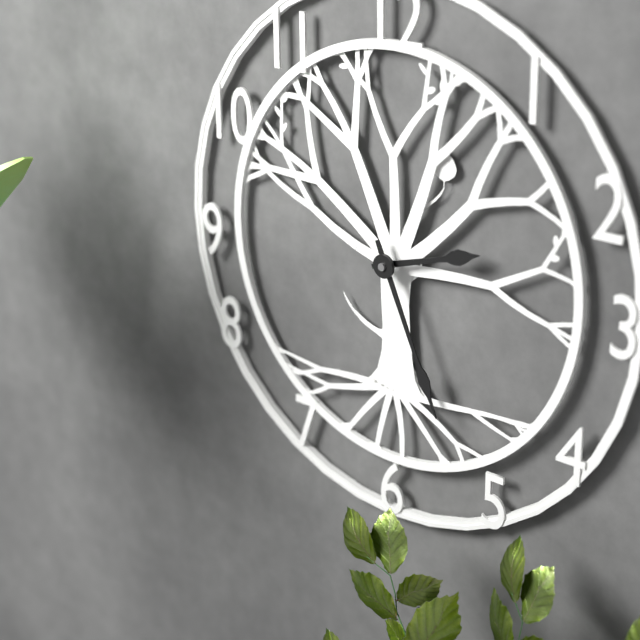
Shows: h=2 m=26
